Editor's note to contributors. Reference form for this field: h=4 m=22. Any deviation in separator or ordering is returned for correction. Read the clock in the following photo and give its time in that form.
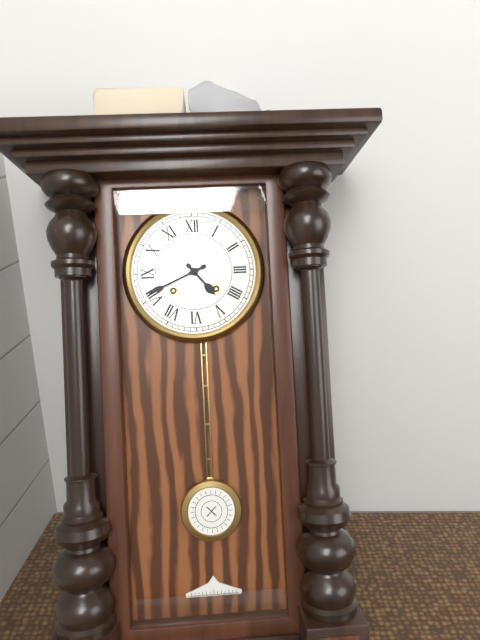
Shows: h=4 m=41
